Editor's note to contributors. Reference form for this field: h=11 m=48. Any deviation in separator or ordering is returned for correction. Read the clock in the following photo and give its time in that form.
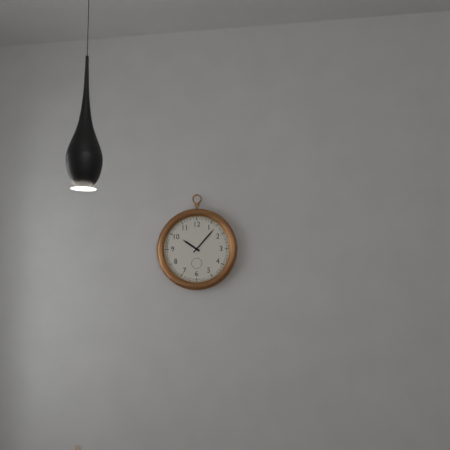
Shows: h=10 m=7
